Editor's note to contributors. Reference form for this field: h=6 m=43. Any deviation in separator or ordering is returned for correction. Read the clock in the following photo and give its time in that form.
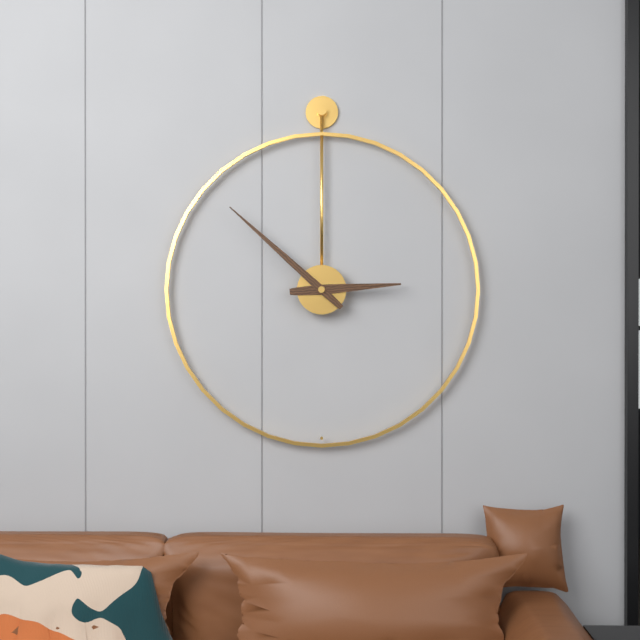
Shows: h=2 m=52
